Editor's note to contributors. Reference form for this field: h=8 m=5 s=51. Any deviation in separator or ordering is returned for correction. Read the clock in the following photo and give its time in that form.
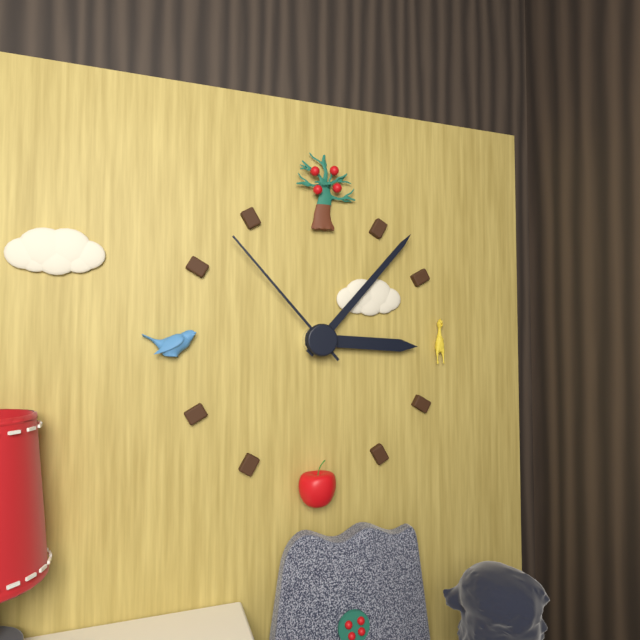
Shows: h=3 m=7 s=53
